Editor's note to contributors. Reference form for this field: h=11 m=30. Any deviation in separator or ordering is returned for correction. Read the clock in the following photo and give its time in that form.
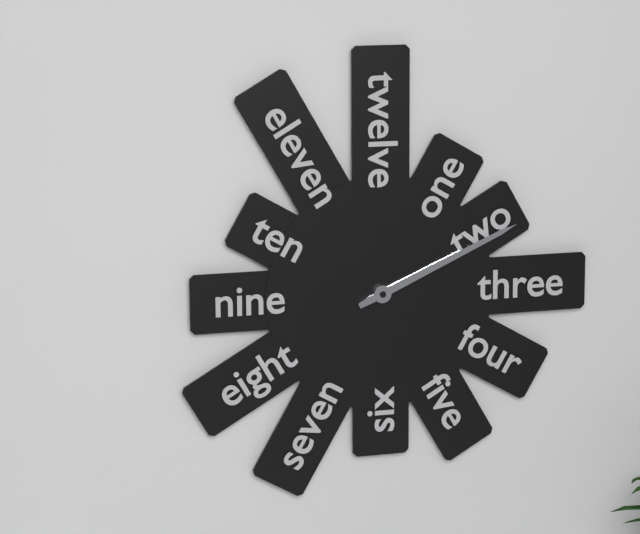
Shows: h=2 m=11
